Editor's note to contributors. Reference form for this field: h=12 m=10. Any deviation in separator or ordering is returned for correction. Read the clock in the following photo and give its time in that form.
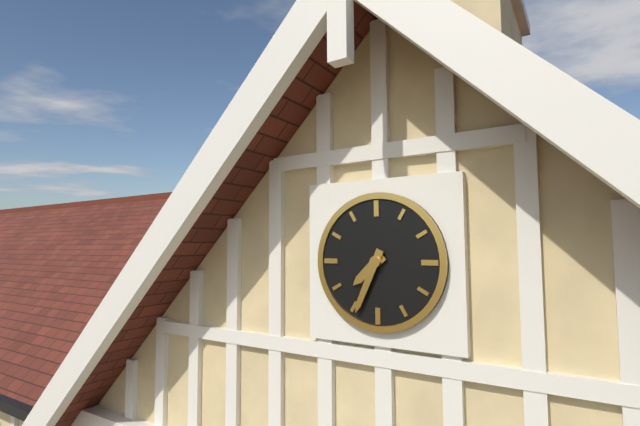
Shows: h=7 m=34
